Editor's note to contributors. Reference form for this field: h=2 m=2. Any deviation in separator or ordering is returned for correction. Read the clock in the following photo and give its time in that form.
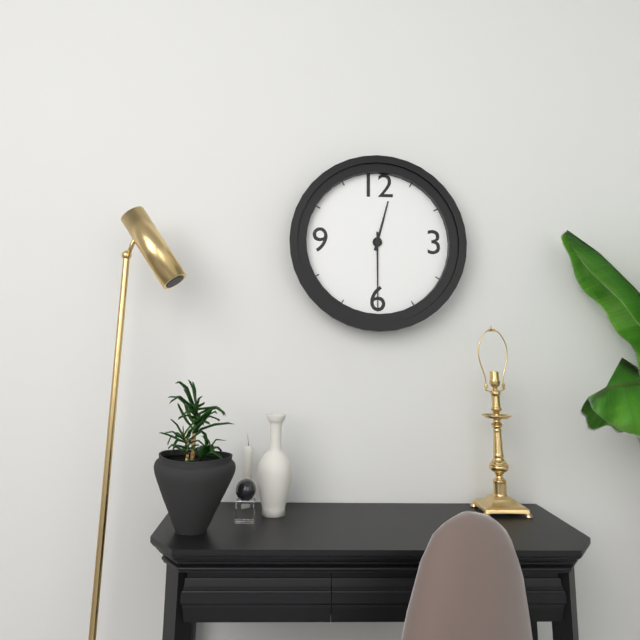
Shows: h=12 m=30
